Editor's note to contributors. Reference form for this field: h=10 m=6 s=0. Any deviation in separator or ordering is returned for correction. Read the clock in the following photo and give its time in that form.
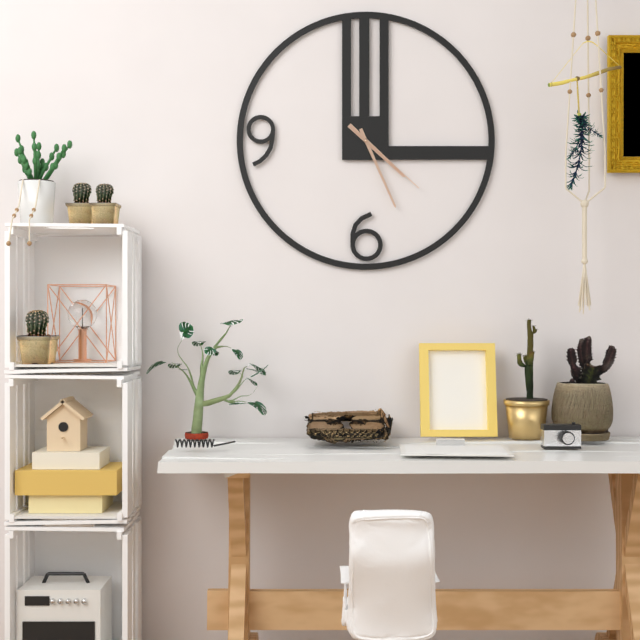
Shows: h=4 m=26 s=22
